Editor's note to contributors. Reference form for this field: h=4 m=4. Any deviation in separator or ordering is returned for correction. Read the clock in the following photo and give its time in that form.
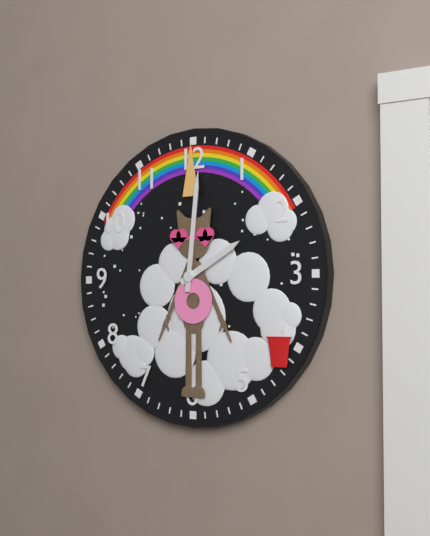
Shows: h=2 m=1
